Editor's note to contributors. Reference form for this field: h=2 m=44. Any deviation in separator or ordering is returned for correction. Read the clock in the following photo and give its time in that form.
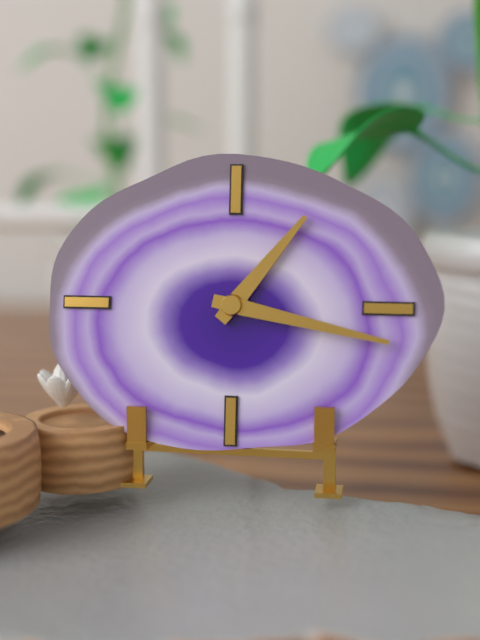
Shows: h=1 m=17
